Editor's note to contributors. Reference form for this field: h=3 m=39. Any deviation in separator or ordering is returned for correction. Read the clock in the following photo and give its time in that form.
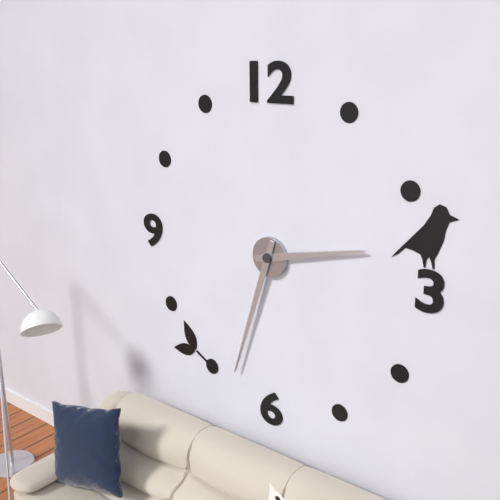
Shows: h=2 m=33
